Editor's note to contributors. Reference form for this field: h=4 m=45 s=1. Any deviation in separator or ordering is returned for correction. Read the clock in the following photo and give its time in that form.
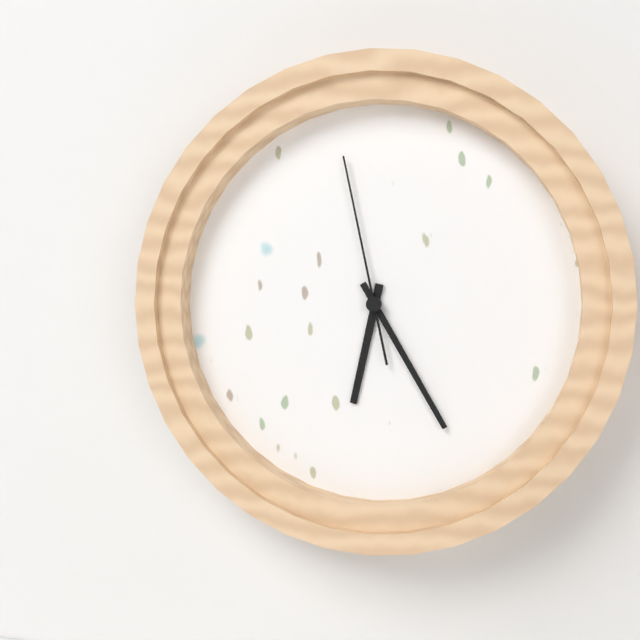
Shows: h=6 m=25 s=58
